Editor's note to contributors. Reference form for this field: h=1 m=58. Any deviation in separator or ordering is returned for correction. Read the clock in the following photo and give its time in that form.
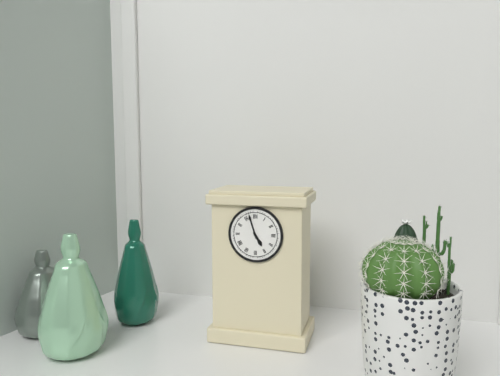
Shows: h=4 m=57
